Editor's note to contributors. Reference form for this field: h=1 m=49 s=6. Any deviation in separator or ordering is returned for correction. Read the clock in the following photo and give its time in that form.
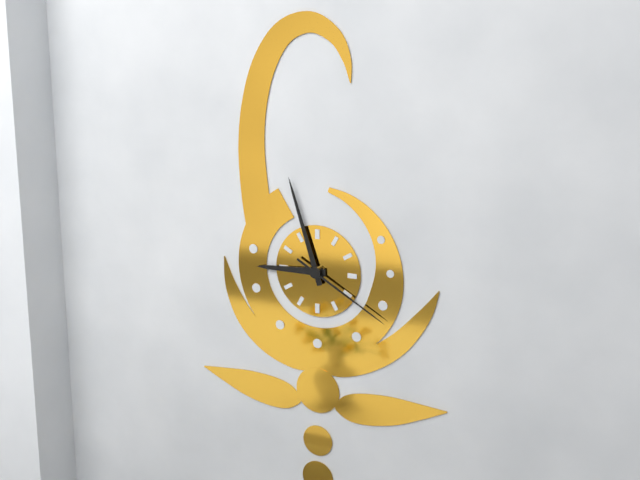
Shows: h=8 m=57 s=20
